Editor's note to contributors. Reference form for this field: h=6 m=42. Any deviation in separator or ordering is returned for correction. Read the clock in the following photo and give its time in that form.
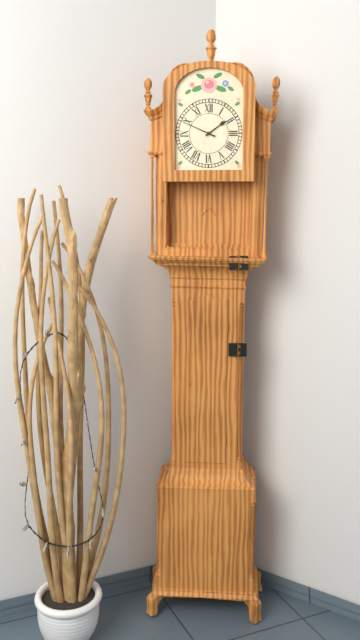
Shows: h=1 m=49
